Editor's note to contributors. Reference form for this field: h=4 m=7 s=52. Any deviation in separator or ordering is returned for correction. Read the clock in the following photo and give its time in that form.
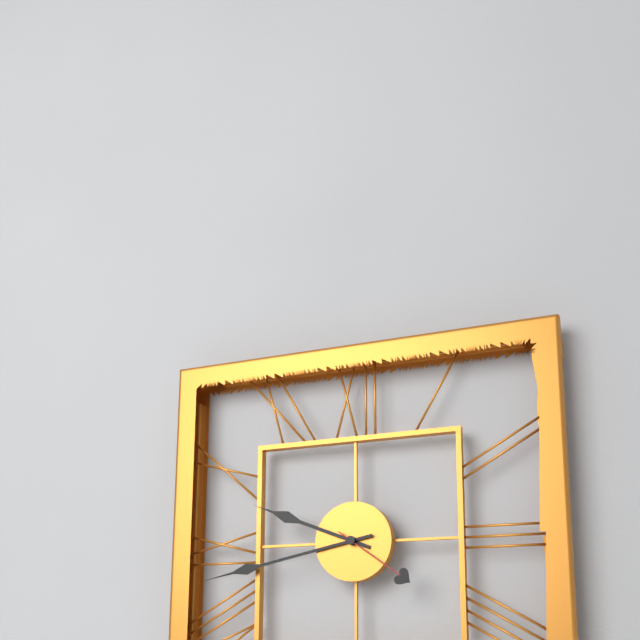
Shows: h=9 m=43 s=21
